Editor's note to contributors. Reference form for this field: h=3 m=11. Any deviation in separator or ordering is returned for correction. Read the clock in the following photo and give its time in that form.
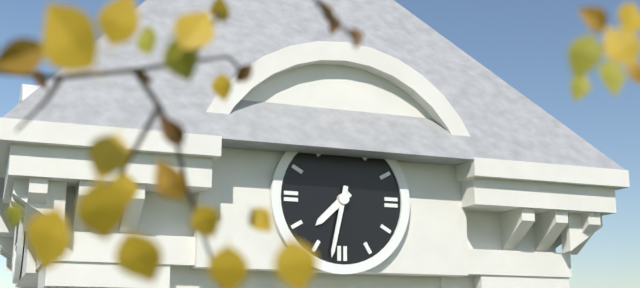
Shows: h=7 m=32
